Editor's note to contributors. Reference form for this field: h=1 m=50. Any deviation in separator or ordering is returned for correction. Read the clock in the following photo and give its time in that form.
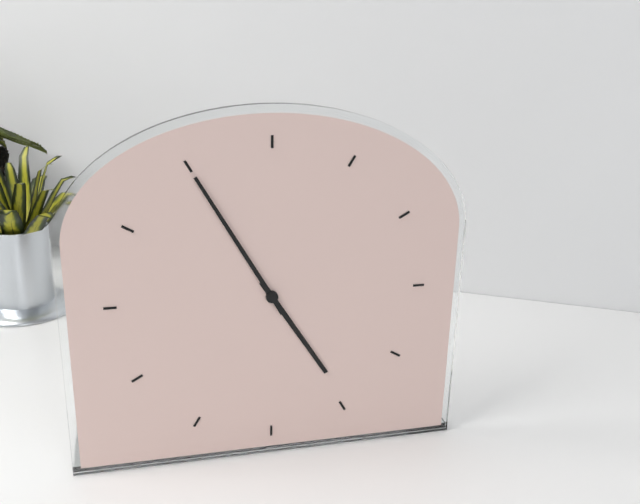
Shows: h=4 m=55
